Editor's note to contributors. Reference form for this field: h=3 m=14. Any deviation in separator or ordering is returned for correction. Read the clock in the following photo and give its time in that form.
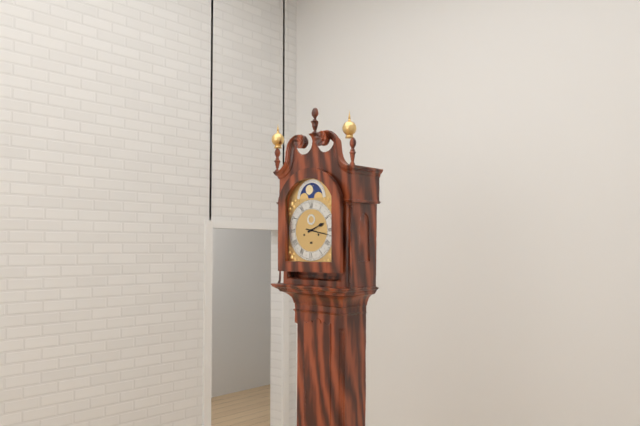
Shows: h=2 m=17
